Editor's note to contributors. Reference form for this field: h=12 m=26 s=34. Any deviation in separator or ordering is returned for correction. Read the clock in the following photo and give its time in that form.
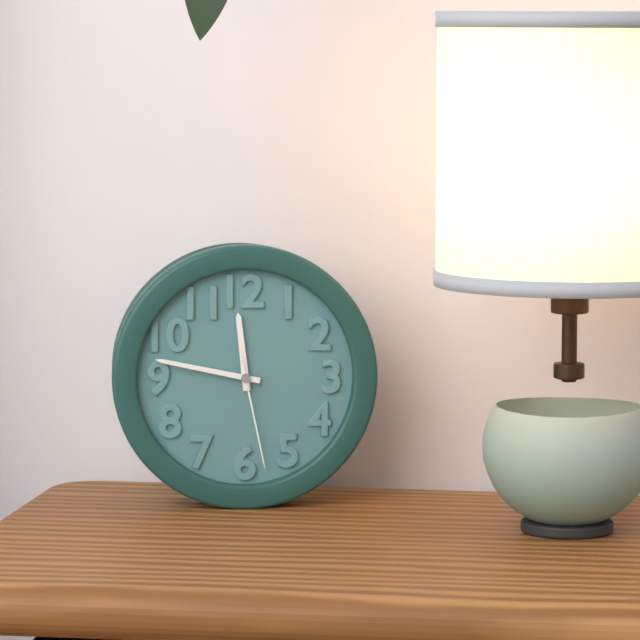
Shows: h=11 m=47 s=28
